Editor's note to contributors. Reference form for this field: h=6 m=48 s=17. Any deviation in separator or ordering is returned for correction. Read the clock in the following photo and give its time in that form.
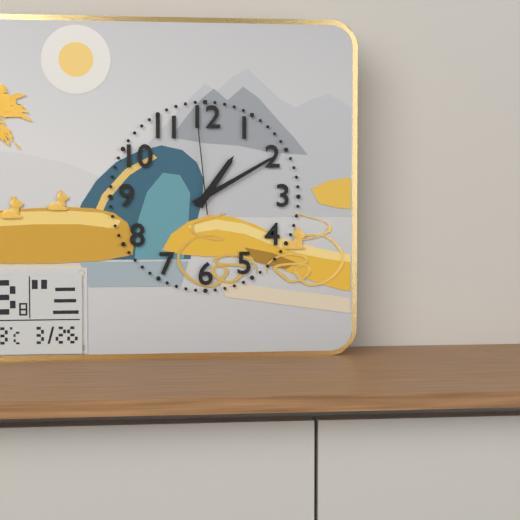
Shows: h=1 m=10 s=59
